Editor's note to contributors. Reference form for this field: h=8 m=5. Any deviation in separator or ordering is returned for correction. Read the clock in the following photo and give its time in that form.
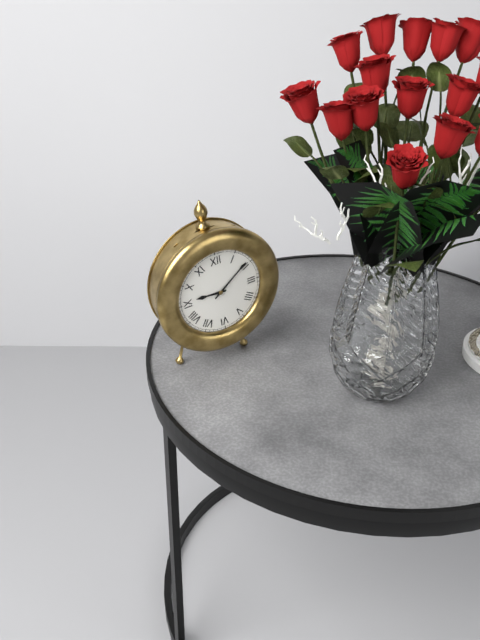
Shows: h=9 m=9
